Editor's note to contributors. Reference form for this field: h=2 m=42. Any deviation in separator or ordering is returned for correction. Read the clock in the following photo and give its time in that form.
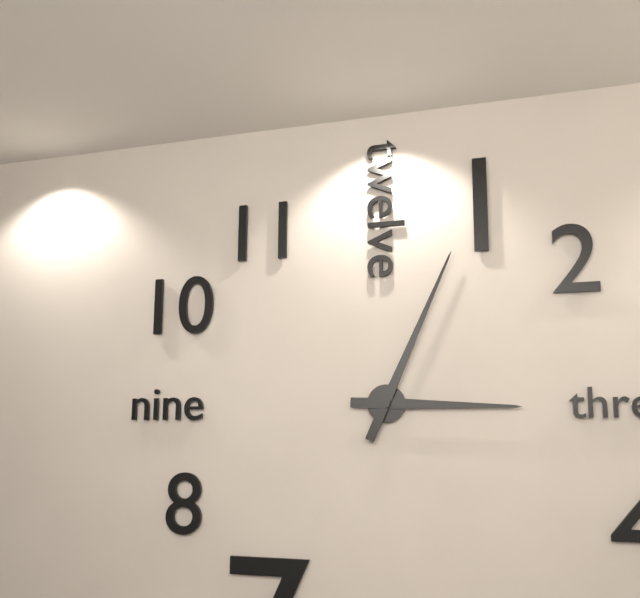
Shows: h=3 m=4
